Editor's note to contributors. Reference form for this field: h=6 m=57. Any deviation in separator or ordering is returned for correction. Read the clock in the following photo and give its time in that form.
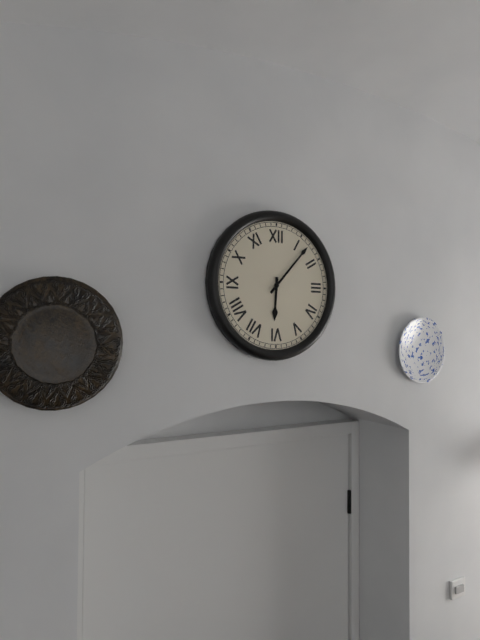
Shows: h=6 m=7
